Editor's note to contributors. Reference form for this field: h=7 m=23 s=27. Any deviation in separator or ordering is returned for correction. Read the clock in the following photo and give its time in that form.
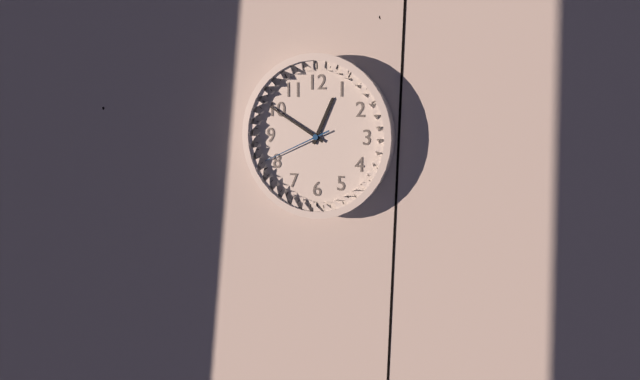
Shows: h=12 m=50 s=41
